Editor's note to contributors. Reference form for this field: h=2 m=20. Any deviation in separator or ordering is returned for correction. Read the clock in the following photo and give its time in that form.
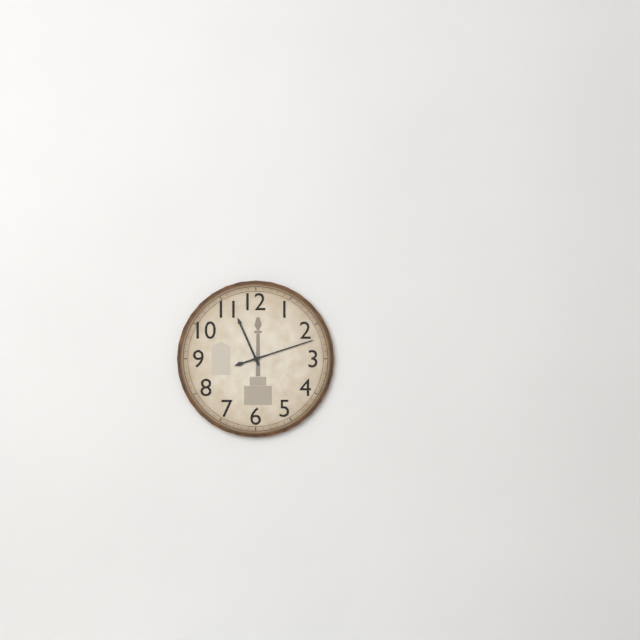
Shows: h=11 m=12
